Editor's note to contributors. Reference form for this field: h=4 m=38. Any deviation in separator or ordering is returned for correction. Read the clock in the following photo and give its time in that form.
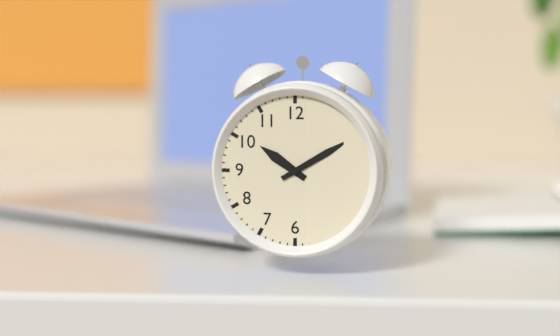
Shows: h=10 m=10
